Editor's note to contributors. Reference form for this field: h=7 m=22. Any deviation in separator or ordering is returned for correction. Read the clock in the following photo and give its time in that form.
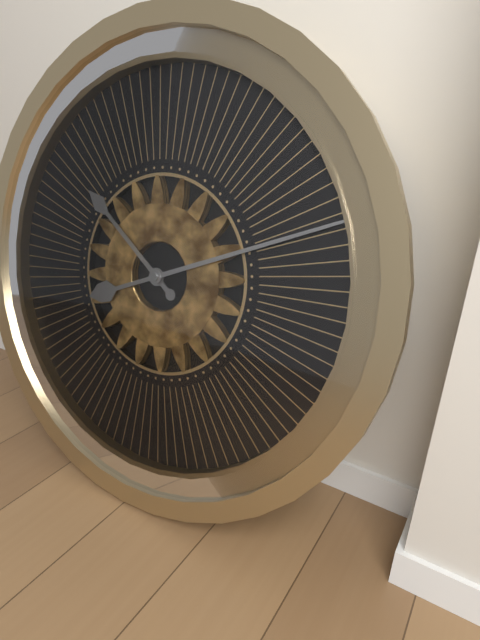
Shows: h=10 m=11
